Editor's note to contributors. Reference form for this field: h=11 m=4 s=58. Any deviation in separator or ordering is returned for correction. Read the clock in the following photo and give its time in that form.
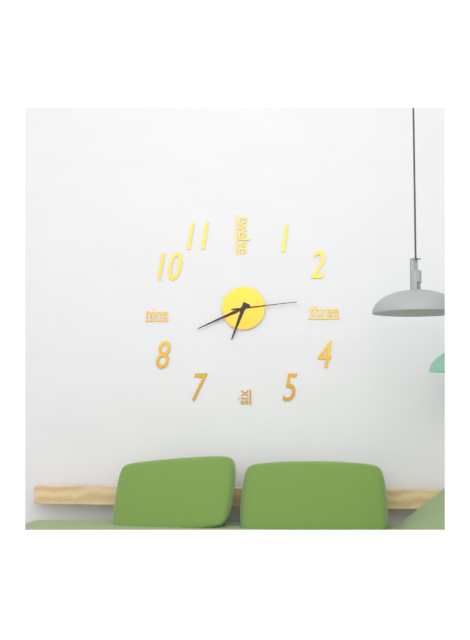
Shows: h=6 m=41 s=14
